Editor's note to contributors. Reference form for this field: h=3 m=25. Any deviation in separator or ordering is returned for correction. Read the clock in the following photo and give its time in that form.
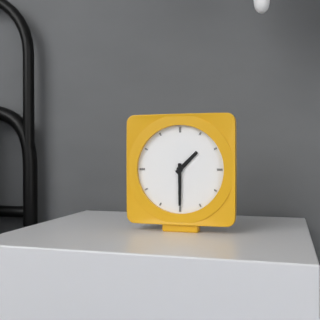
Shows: h=1 m=30
